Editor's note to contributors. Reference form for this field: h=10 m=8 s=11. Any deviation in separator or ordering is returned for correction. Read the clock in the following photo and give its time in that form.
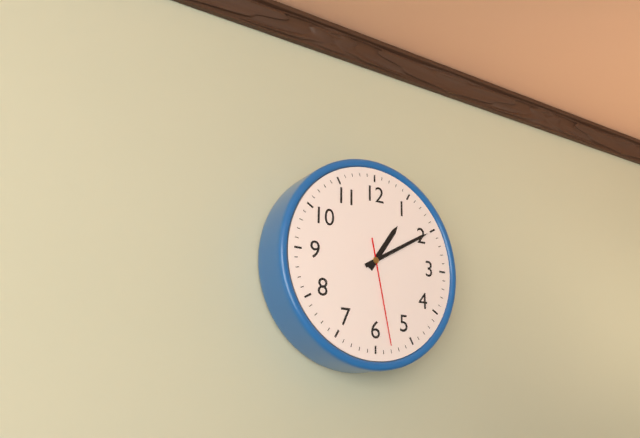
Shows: h=1 m=10 s=28
